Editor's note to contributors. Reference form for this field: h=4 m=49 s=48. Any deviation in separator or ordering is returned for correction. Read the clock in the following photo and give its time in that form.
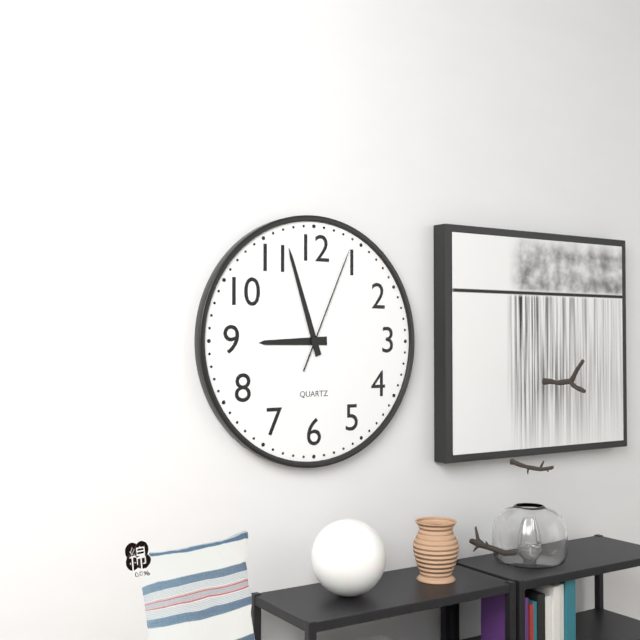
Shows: h=8 m=57 s=4
